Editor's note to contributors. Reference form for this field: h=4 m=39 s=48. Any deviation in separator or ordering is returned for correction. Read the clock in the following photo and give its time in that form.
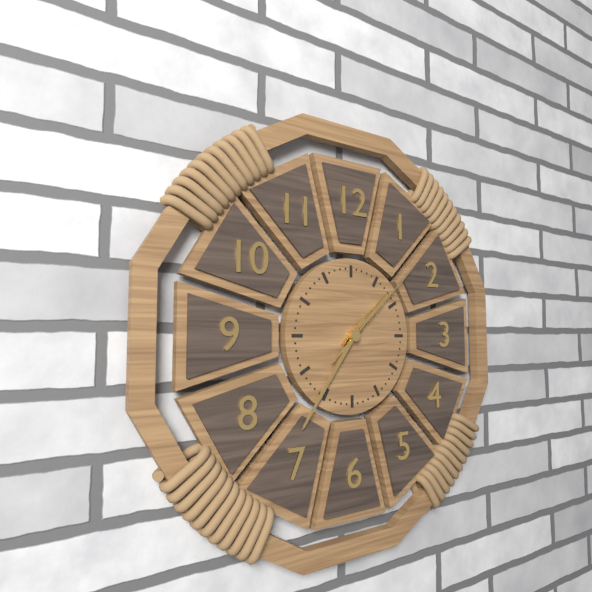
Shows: h=1 m=36 s=8
